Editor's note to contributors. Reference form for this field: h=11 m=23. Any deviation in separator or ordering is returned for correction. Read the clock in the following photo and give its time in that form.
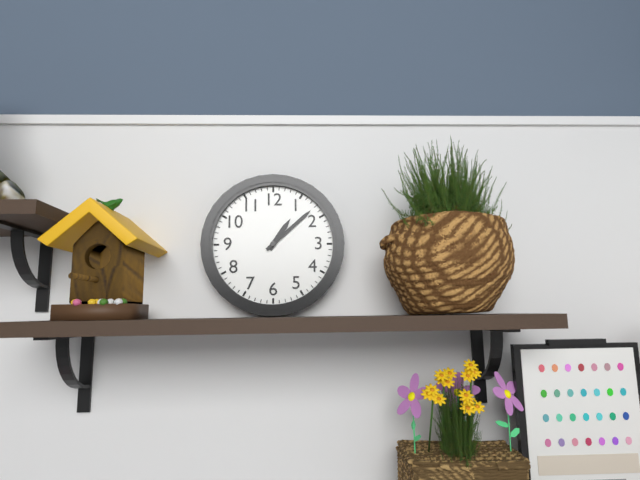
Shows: h=1 m=8
